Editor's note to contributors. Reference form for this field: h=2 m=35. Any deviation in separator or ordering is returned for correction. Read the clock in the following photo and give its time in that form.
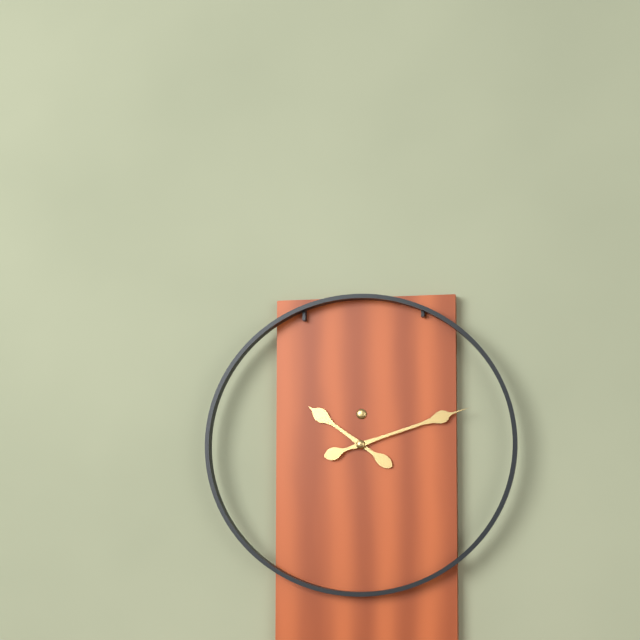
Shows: h=10 m=12
